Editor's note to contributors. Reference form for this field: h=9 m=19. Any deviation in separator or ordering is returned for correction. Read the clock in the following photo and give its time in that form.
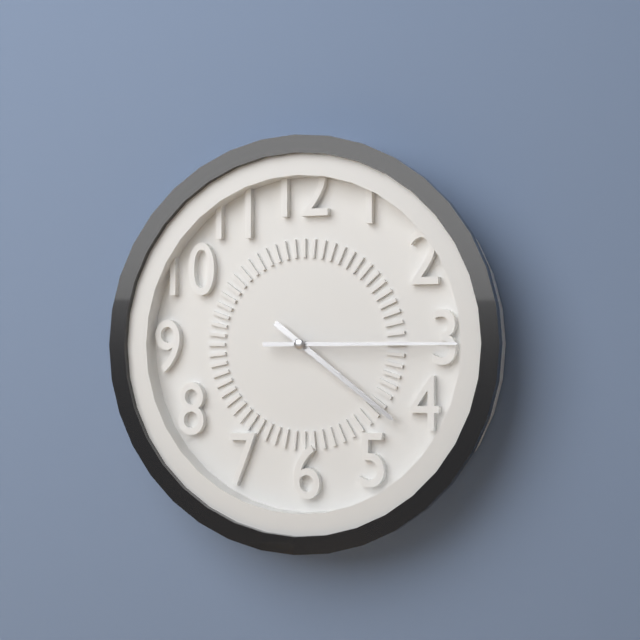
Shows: h=4 m=15
